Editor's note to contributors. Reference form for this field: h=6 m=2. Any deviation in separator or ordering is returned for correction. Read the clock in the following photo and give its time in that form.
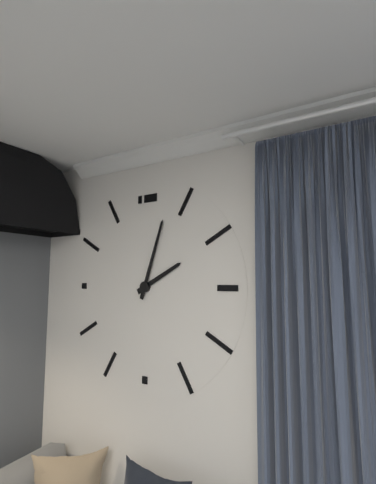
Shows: h=2 m=3
